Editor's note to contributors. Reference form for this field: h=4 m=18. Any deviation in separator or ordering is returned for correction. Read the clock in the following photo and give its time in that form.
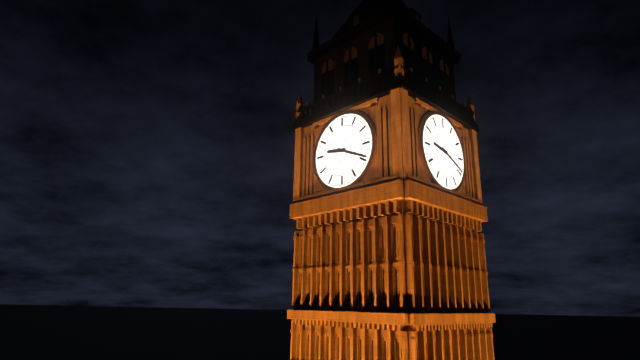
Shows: h=9 m=19
